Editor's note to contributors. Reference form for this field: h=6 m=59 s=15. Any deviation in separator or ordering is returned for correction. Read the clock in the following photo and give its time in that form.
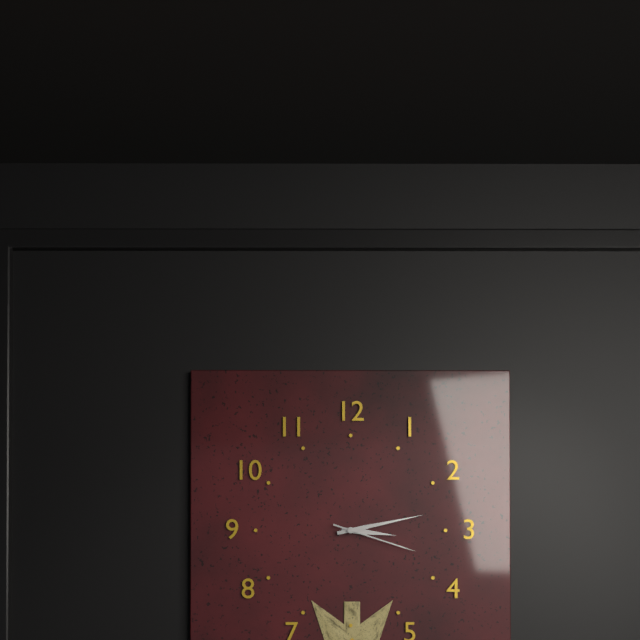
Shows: h=3 m=13 s=18
